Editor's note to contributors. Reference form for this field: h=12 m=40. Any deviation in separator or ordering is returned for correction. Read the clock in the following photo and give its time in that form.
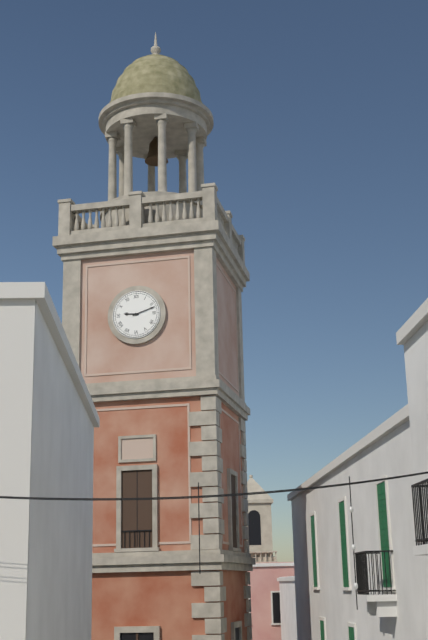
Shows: h=9 m=12
